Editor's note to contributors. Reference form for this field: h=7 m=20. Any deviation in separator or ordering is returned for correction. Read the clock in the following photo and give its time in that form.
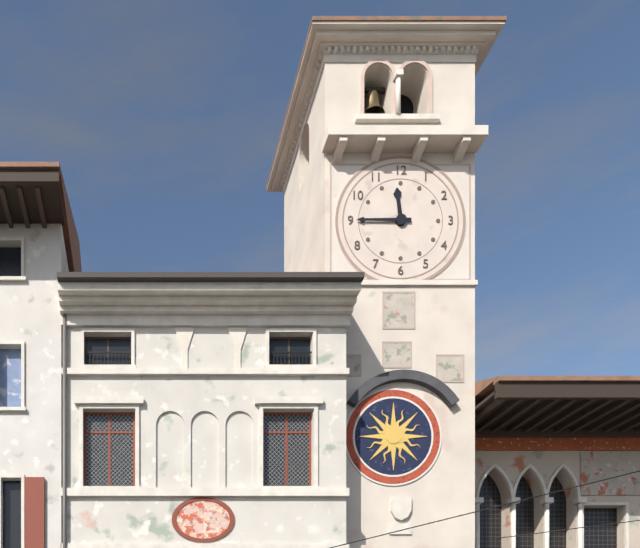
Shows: h=11 m=45
